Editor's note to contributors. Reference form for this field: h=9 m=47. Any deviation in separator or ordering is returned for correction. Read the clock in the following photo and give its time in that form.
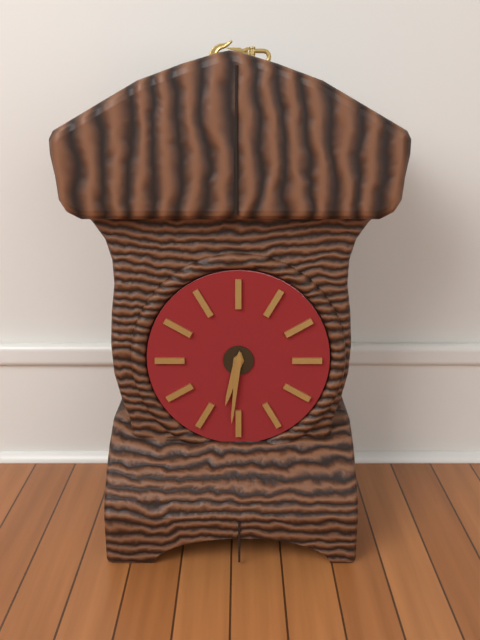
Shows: h=6 m=31
